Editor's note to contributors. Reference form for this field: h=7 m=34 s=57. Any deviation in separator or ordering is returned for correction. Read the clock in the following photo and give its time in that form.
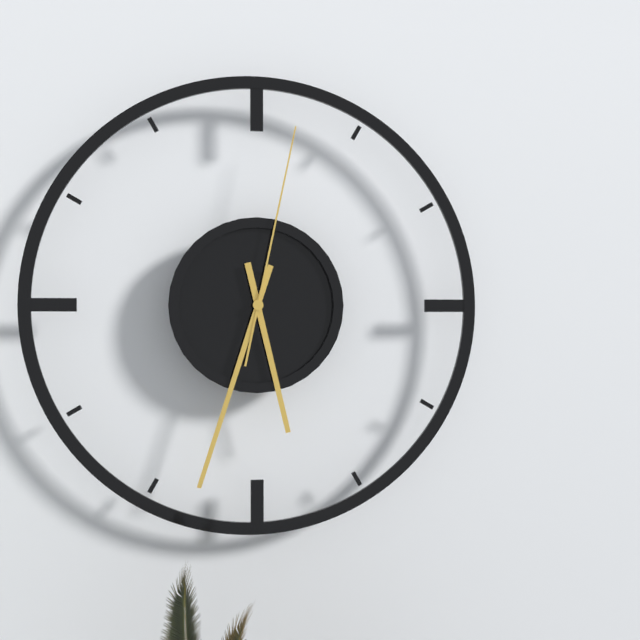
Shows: h=5 m=33 s=2
